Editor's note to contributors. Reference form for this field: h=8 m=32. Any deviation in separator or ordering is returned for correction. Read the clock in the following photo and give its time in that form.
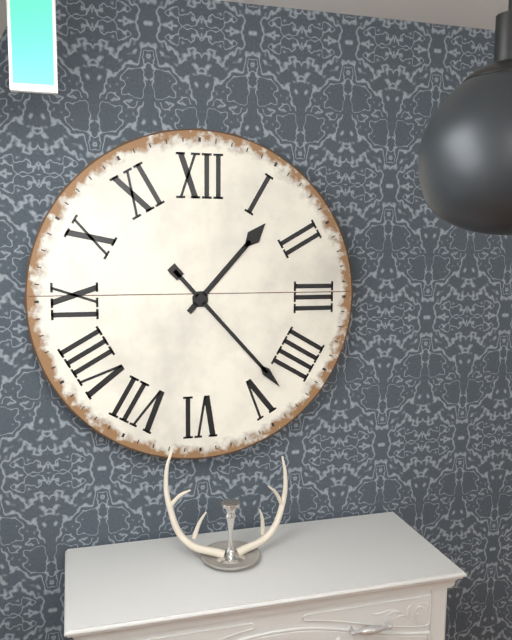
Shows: h=1 m=23
